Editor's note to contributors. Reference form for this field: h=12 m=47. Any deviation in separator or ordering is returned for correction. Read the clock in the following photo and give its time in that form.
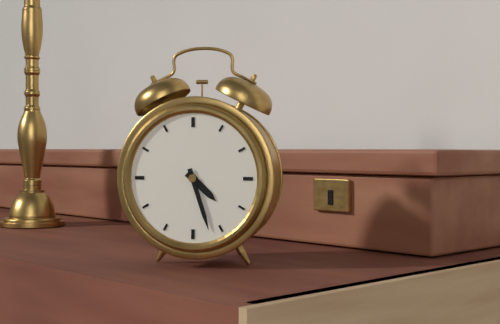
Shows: h=4 m=27
